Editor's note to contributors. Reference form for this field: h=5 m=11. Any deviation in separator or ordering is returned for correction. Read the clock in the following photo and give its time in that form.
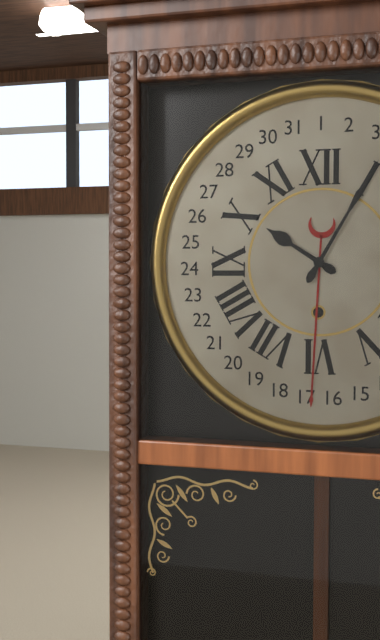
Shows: h=10 m=5
